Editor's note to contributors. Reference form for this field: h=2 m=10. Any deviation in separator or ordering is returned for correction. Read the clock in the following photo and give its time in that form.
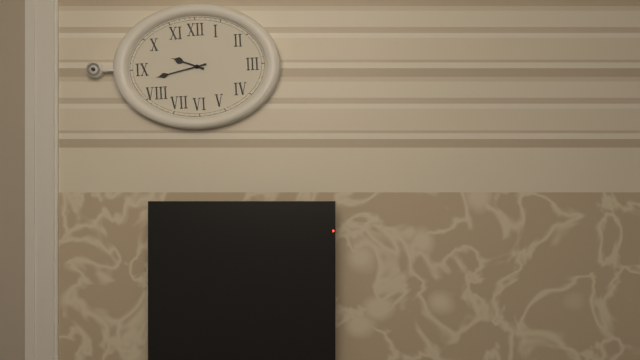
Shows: h=9 m=43
